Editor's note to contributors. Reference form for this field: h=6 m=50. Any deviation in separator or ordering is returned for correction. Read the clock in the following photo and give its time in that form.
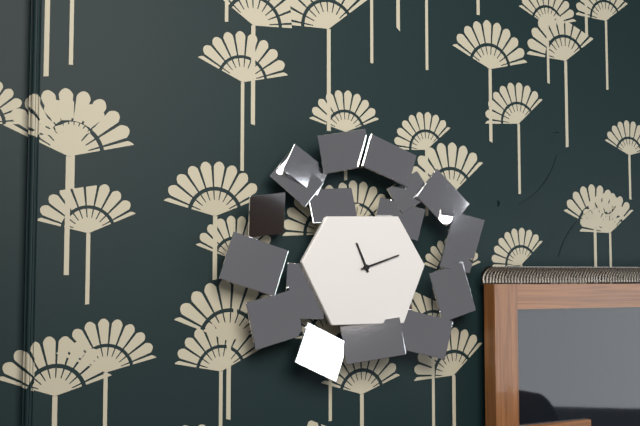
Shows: h=11 m=12
